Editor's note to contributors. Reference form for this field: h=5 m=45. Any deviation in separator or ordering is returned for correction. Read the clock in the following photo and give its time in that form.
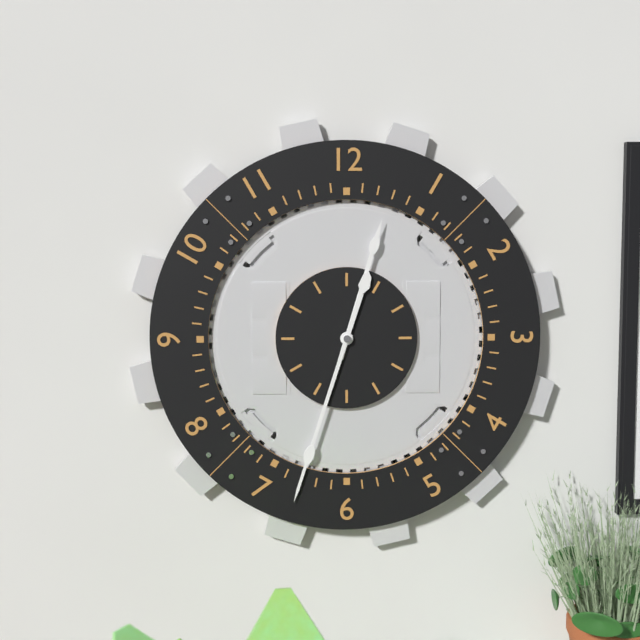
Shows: h=12 m=33
